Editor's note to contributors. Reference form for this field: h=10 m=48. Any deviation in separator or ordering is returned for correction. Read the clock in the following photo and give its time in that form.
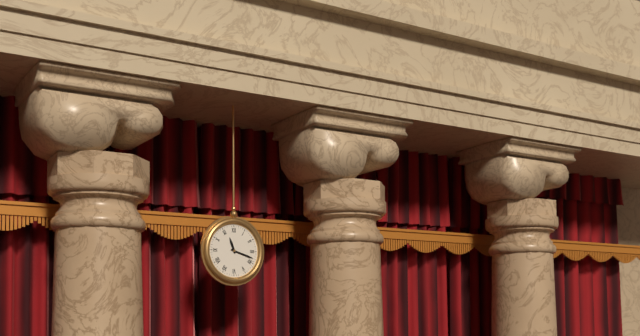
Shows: h=11 m=18
